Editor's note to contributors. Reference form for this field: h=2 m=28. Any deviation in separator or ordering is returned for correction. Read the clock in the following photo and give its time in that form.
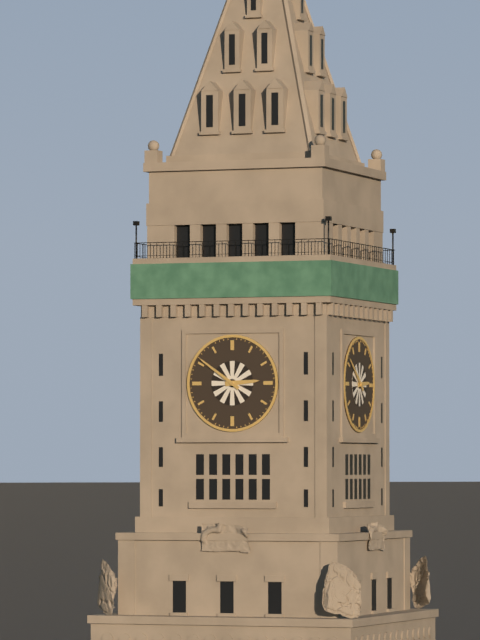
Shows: h=2 m=51
